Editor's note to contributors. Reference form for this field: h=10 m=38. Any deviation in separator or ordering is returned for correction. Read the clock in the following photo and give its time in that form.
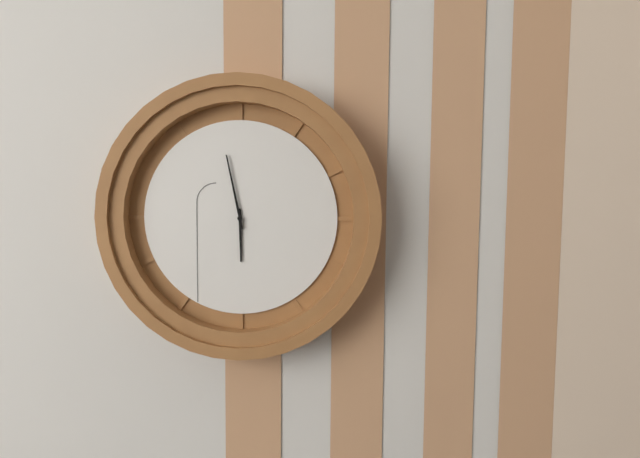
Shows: h=5 m=58
